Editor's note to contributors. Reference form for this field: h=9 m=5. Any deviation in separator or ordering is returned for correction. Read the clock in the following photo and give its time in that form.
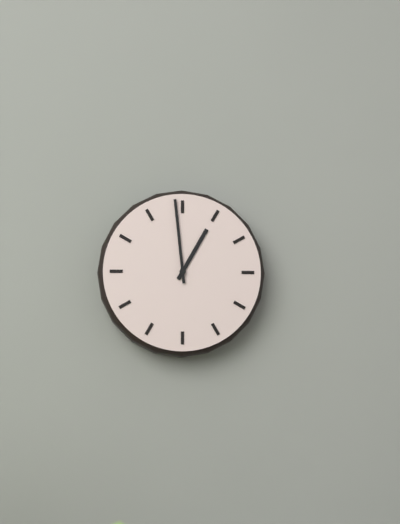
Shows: h=12 m=59
